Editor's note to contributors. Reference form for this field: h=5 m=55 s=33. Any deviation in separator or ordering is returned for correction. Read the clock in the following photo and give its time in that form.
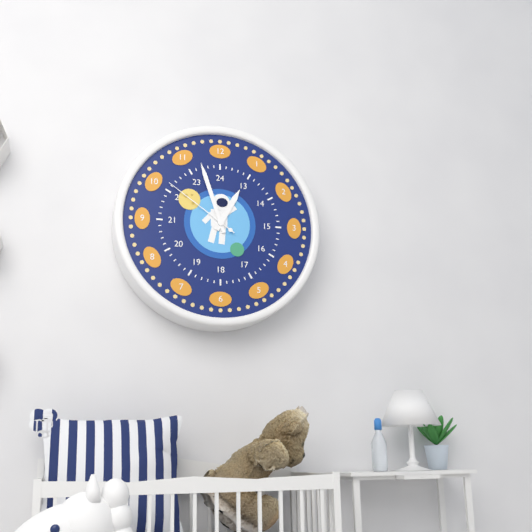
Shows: h=12 m=57 s=51
